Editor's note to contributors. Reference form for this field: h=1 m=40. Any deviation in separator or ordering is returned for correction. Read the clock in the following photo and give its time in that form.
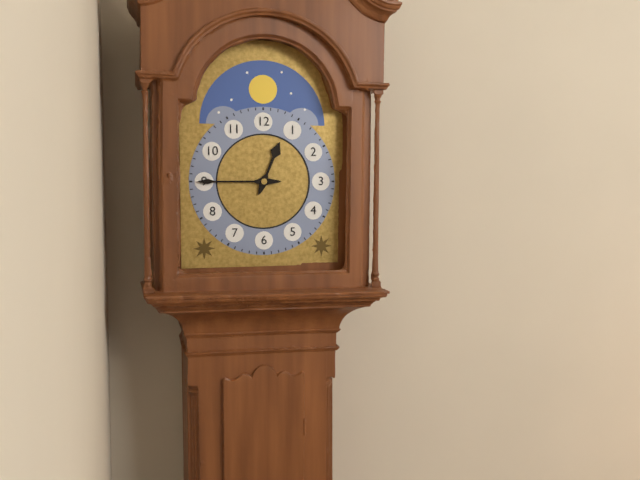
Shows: h=12 m=45
